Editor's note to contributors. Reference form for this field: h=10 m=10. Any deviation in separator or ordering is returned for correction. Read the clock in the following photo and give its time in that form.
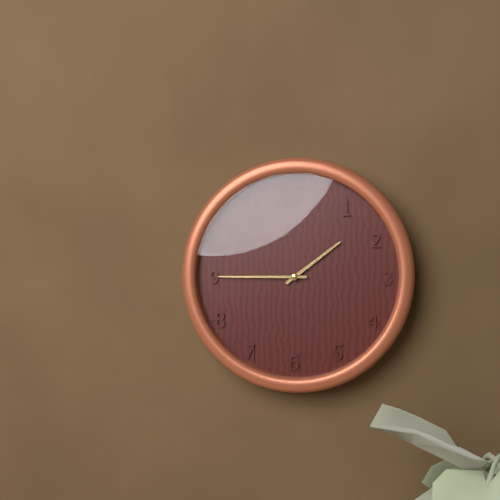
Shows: h=1 m=45
